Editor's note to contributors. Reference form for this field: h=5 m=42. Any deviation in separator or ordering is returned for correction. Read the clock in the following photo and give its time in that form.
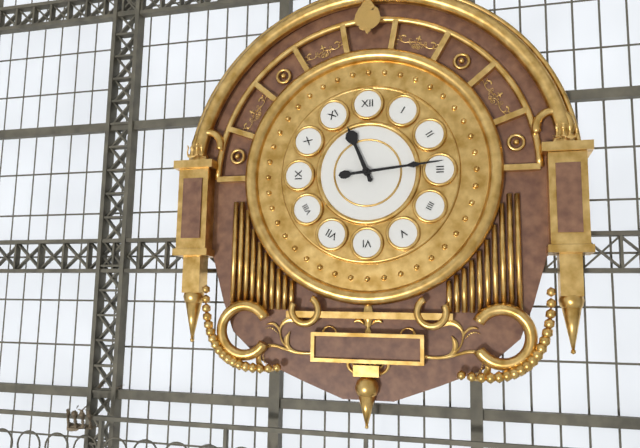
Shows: h=11 m=14
